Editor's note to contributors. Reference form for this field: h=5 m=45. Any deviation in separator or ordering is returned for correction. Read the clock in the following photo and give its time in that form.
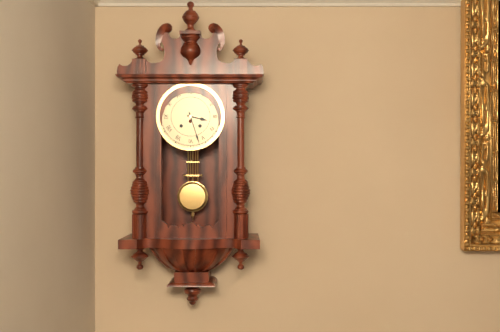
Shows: h=3 m=27
